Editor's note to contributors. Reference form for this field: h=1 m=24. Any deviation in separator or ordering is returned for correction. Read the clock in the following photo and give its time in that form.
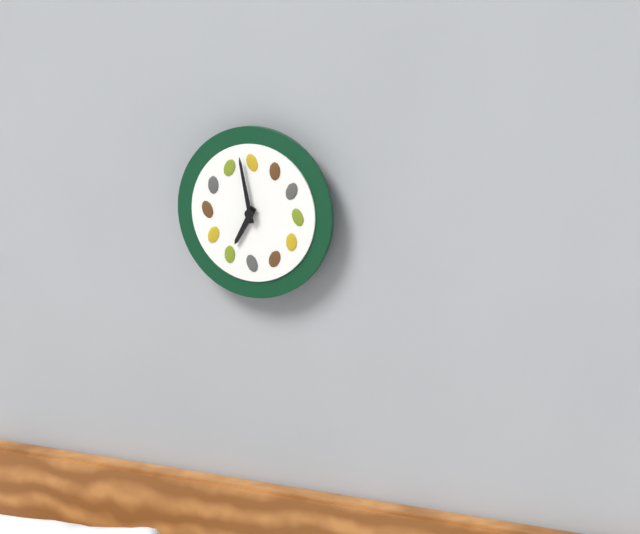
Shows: h=6 m=58
